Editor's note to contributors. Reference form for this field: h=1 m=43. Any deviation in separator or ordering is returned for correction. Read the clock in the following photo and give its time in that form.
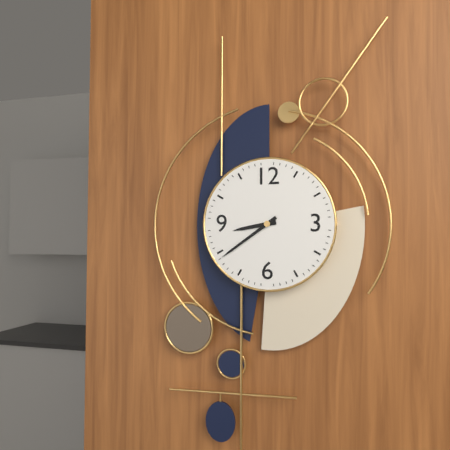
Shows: h=8 m=39
